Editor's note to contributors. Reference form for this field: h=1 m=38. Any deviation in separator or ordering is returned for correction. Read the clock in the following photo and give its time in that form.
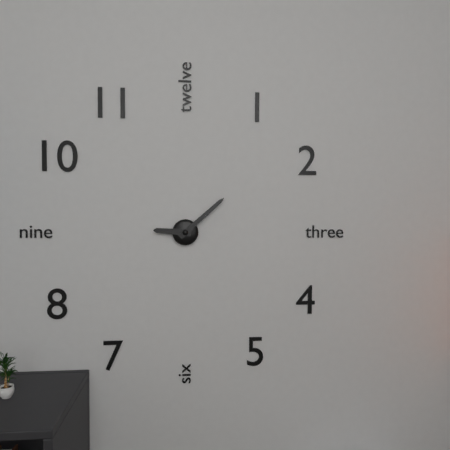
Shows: h=9 m=8
